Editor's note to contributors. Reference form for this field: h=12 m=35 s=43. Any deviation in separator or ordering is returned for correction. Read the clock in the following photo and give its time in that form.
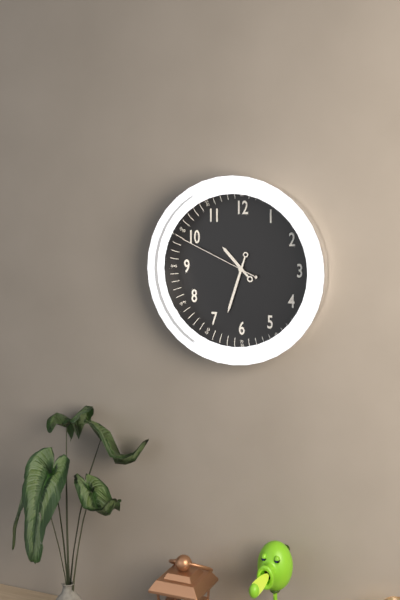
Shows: h=10 m=33 s=49
